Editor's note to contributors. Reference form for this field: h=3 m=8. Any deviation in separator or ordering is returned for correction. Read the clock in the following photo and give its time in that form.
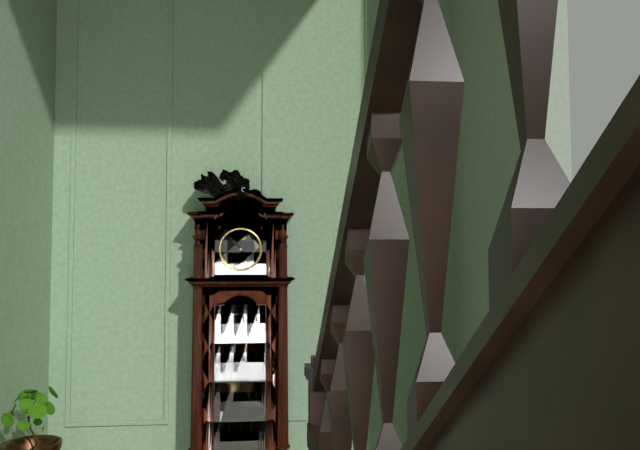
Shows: h=10 m=53
